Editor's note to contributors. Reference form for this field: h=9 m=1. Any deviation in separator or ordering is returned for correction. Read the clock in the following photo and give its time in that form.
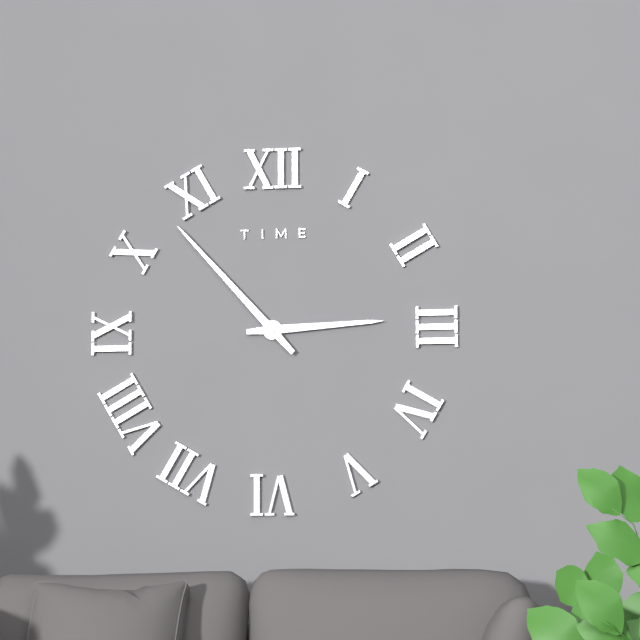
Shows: h=2 m=53
